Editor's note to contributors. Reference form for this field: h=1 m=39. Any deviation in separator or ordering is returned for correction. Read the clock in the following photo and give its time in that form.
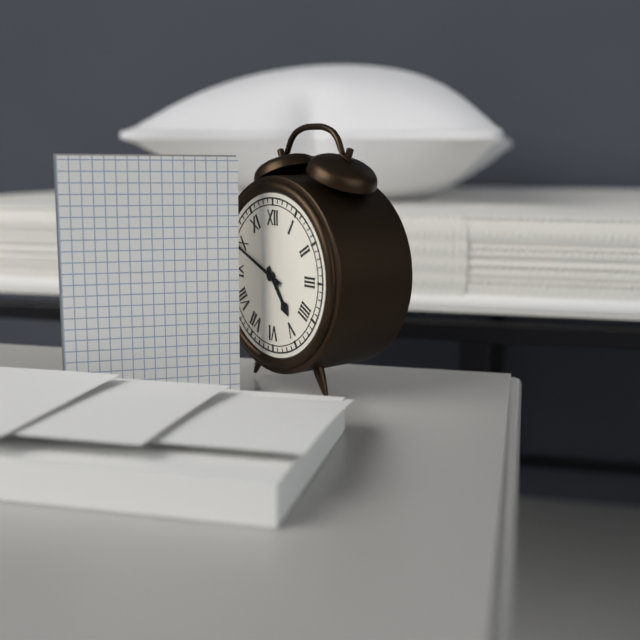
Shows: h=4 m=49
